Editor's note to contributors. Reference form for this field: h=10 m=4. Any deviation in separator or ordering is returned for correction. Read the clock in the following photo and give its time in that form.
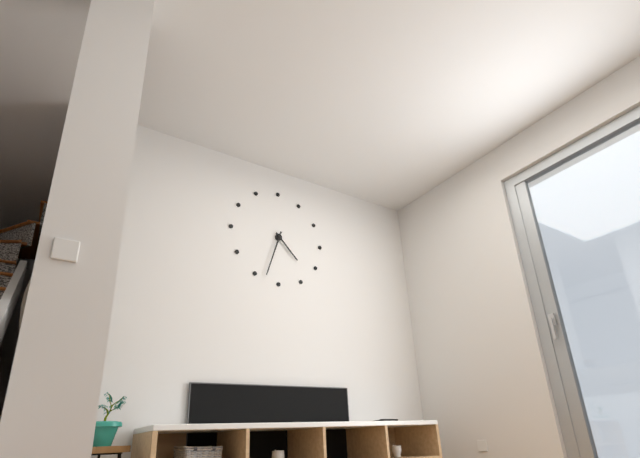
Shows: h=4 m=33
